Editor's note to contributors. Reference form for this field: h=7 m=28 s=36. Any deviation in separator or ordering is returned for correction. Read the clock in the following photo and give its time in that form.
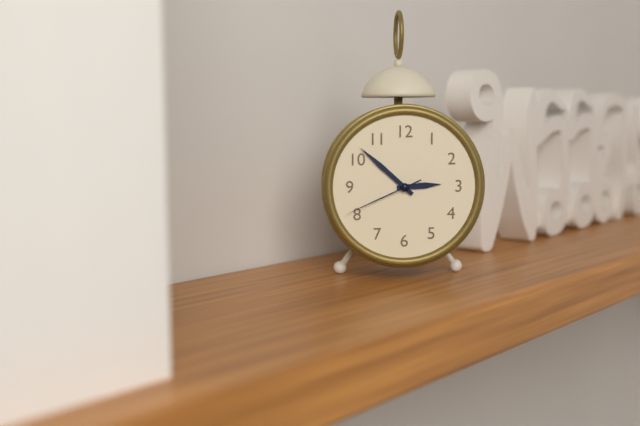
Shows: h=2 m=52 s=41
